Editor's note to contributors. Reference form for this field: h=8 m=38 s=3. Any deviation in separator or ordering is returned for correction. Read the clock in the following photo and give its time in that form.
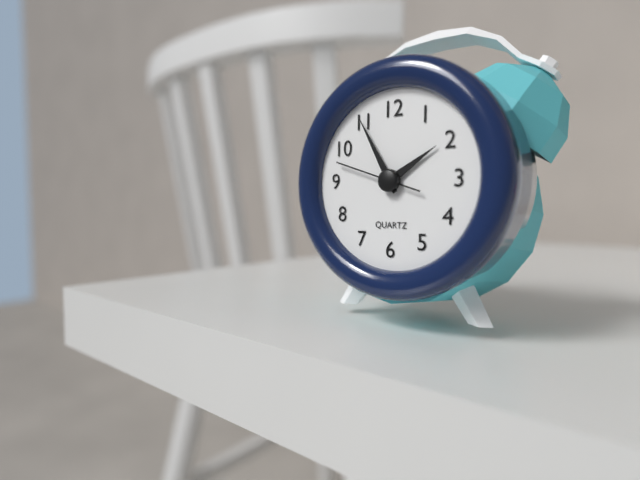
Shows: h=1 m=55 s=48
